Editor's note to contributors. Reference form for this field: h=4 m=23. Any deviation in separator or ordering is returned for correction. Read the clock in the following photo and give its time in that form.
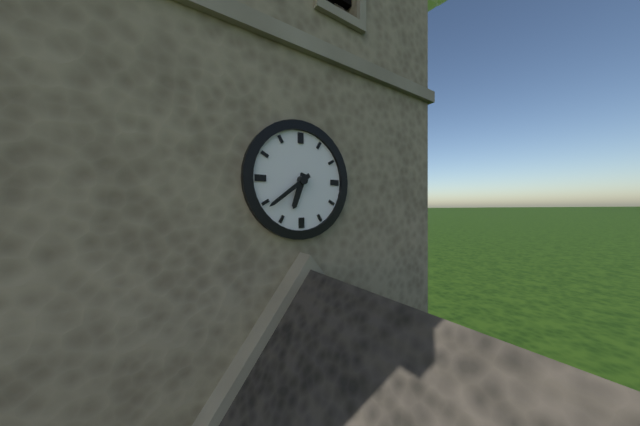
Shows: h=6 m=39
